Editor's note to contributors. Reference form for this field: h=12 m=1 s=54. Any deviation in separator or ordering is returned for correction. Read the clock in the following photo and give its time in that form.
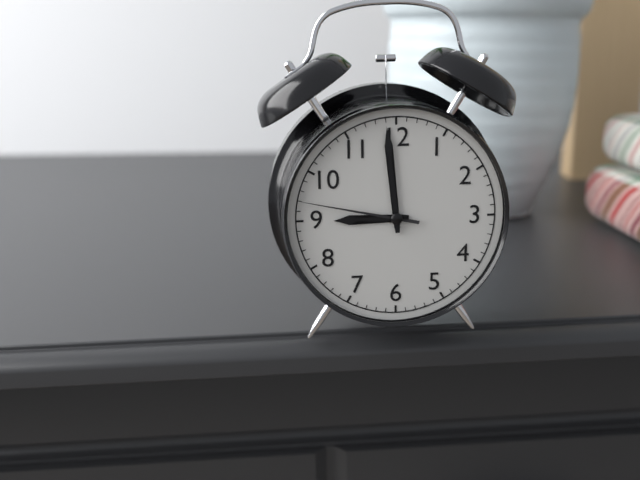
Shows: h=8 m=59 s=47
